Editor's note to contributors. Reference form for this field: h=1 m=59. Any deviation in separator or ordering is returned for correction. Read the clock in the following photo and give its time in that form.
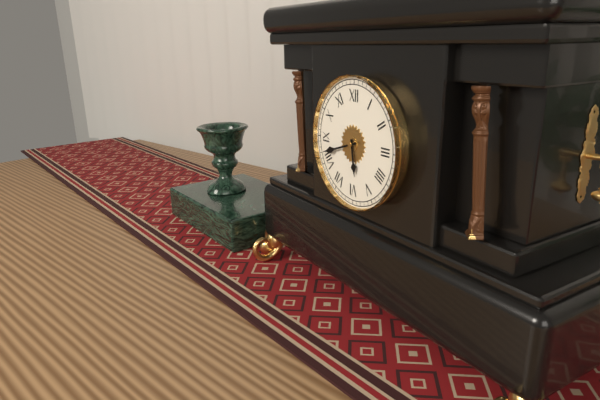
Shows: h=5 m=42
